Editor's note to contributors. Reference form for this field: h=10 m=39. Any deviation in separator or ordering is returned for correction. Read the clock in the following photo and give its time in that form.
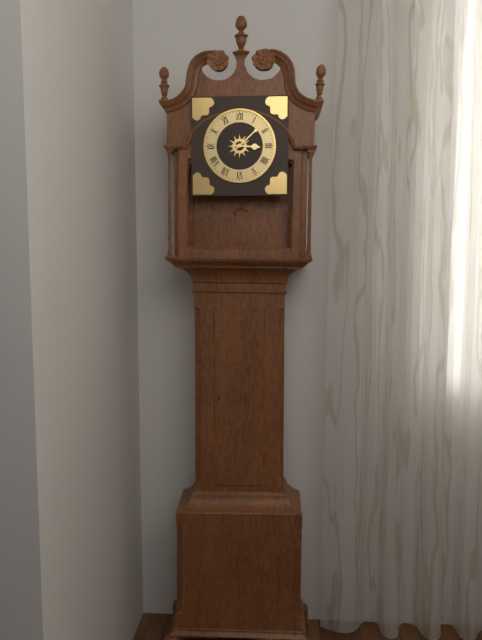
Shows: h=3 m=8
